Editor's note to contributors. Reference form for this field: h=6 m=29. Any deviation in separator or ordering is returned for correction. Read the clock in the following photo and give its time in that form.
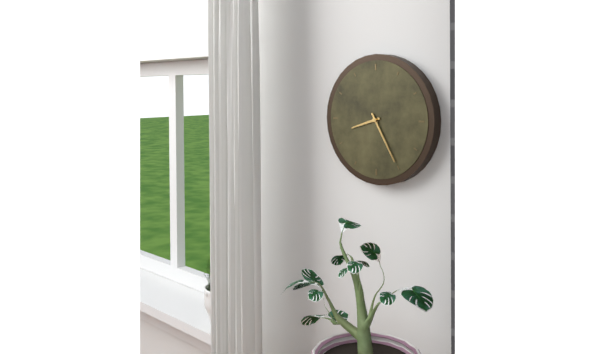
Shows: h=8 m=25
